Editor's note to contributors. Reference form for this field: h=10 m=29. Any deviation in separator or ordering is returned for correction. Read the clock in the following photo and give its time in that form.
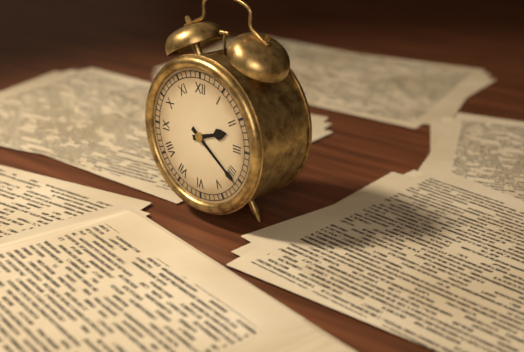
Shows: h=2 m=21
